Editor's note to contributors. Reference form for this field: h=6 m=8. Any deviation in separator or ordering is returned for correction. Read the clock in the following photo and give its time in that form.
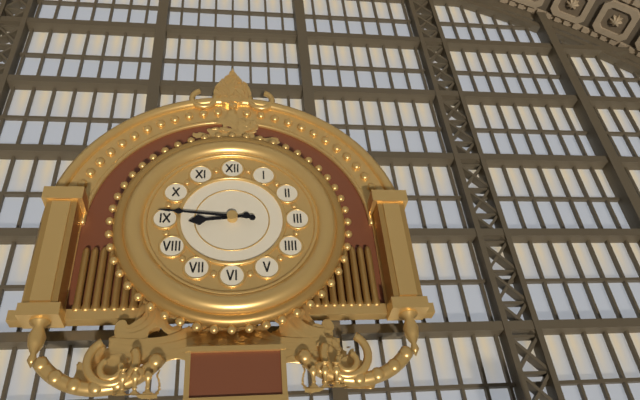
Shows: h=8 m=46
